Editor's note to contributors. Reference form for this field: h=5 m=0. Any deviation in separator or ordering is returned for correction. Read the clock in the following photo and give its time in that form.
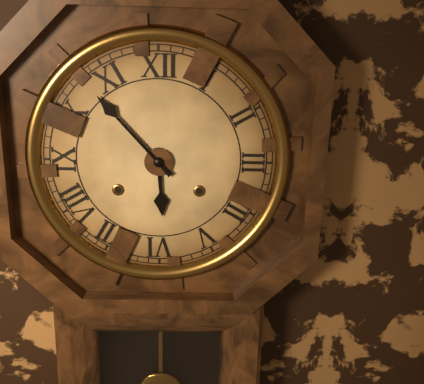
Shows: h=5 m=53
